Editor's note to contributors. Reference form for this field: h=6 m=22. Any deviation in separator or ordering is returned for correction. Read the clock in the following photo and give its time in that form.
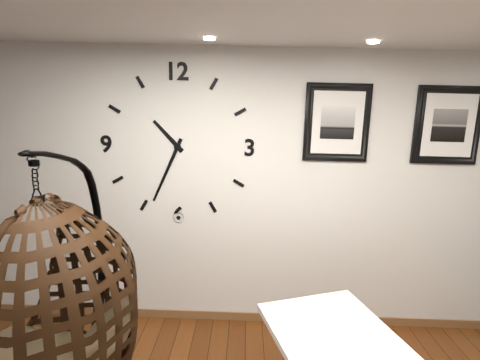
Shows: h=10 m=34
